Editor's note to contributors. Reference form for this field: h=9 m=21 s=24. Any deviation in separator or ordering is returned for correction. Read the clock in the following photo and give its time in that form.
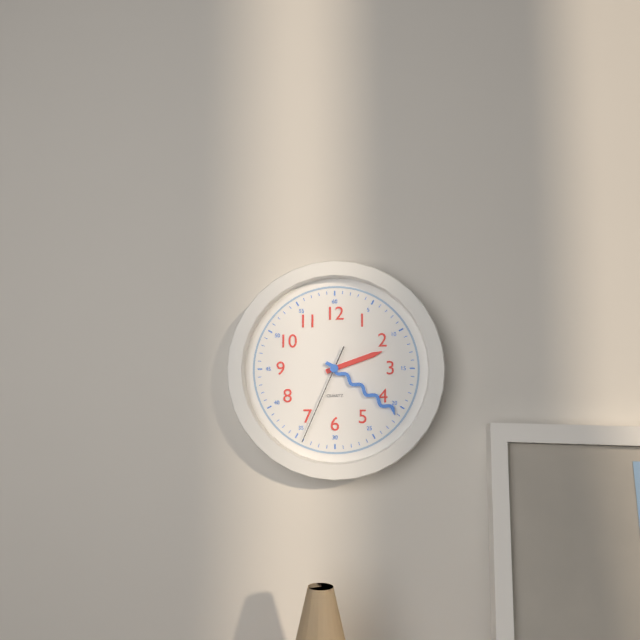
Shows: h=2 m=21 s=34
